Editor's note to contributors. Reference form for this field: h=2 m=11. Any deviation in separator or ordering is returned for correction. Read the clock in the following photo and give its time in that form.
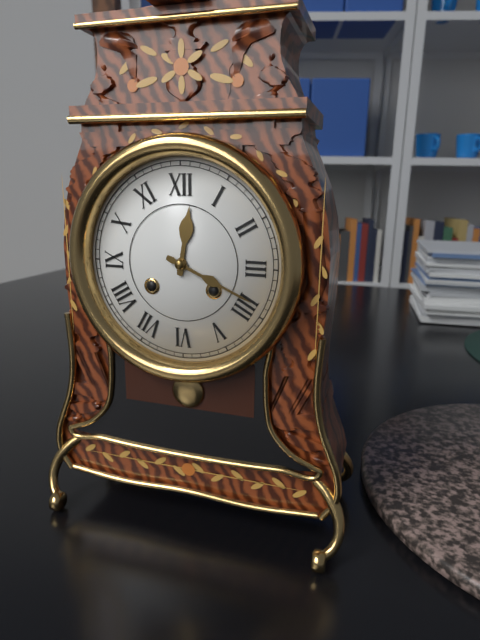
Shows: h=12 m=19
